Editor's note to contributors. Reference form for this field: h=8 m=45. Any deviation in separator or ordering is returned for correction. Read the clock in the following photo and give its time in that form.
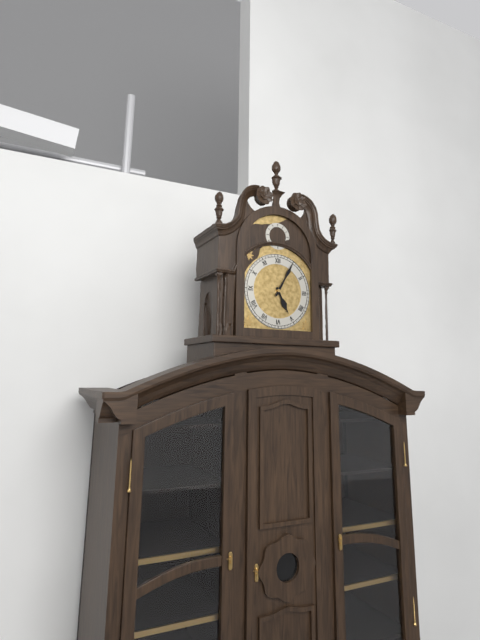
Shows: h=5 m=5
